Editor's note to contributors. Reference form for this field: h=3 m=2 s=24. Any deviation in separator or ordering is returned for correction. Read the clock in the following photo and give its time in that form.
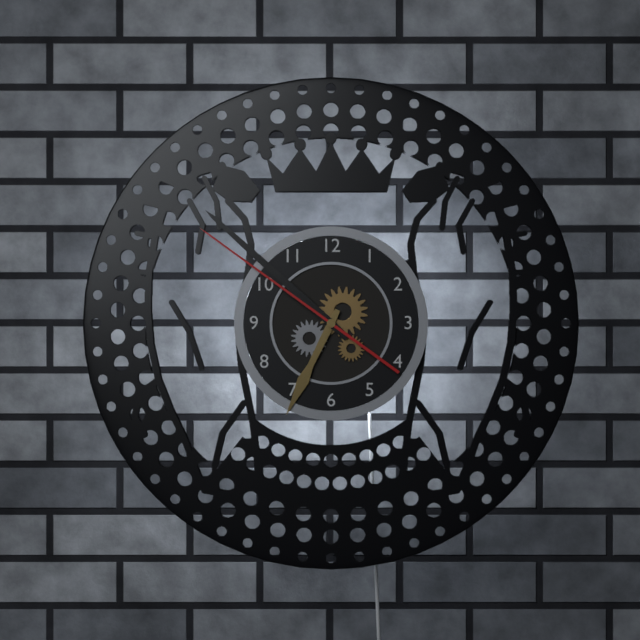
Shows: h=6 m=52 s=51
